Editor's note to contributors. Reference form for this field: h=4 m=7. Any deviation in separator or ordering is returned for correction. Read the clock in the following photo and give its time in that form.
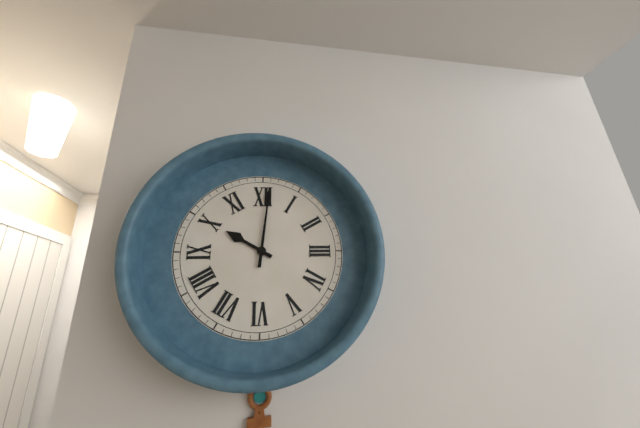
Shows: h=10 m=1
